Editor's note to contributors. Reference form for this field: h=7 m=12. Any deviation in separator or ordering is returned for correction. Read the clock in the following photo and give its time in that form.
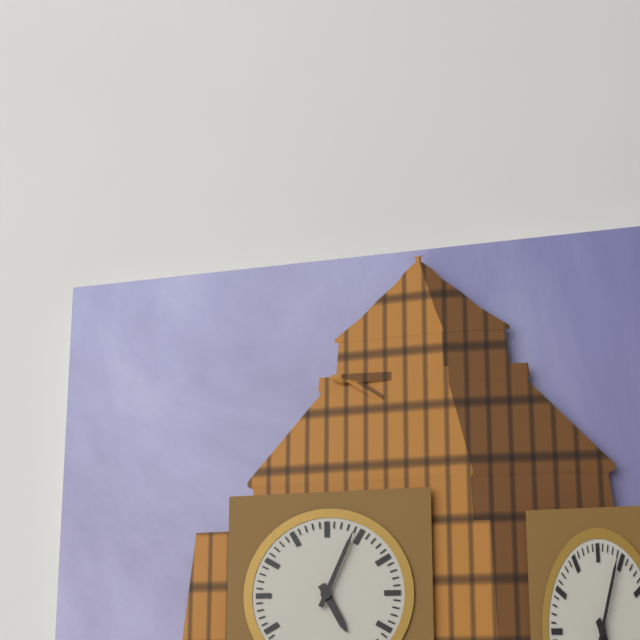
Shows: h=5 m=4
